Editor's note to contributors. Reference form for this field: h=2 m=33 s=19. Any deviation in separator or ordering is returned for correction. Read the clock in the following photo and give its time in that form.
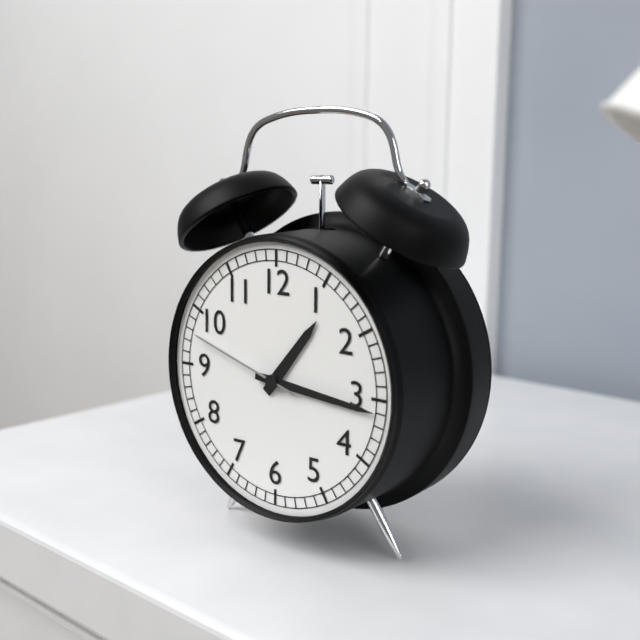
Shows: h=1 m=16 s=48
